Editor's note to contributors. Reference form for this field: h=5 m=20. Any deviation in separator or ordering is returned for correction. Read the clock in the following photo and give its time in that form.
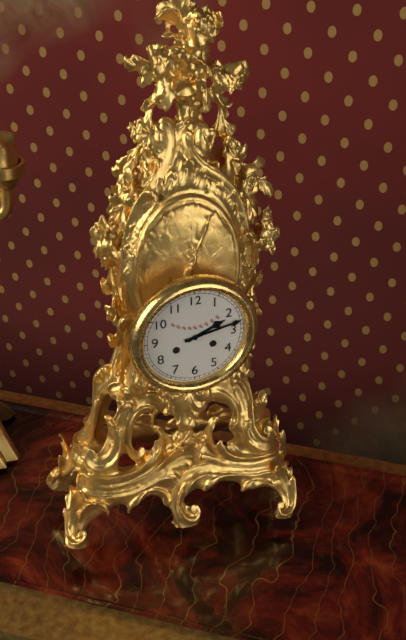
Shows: h=2 m=13
